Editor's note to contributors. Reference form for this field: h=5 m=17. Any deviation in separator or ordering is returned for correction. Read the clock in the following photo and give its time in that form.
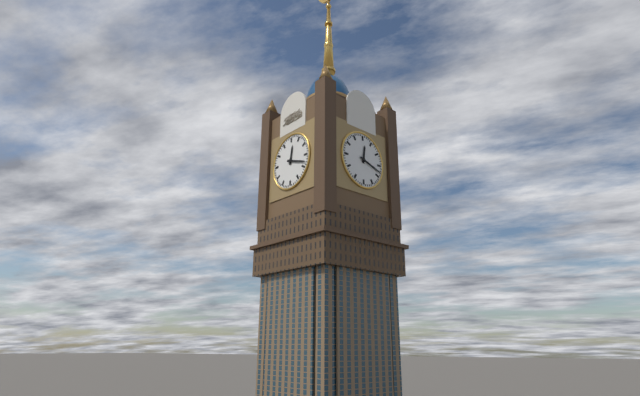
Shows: h=12 m=18
